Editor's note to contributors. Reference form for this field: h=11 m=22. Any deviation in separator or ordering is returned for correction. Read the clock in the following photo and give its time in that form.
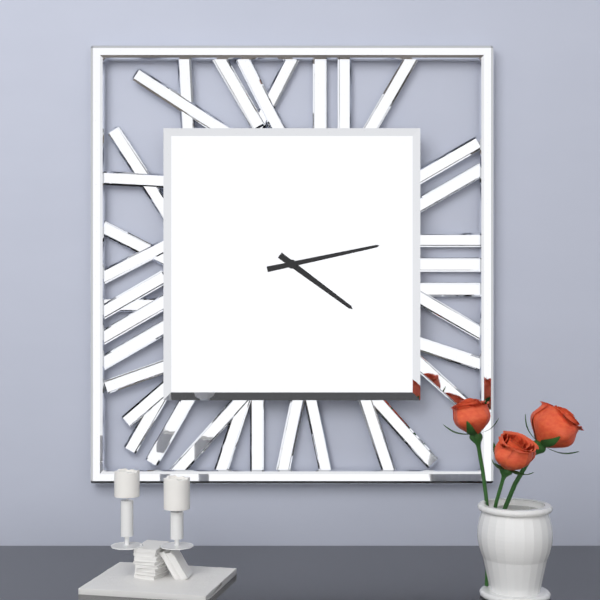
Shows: h=4 m=13
